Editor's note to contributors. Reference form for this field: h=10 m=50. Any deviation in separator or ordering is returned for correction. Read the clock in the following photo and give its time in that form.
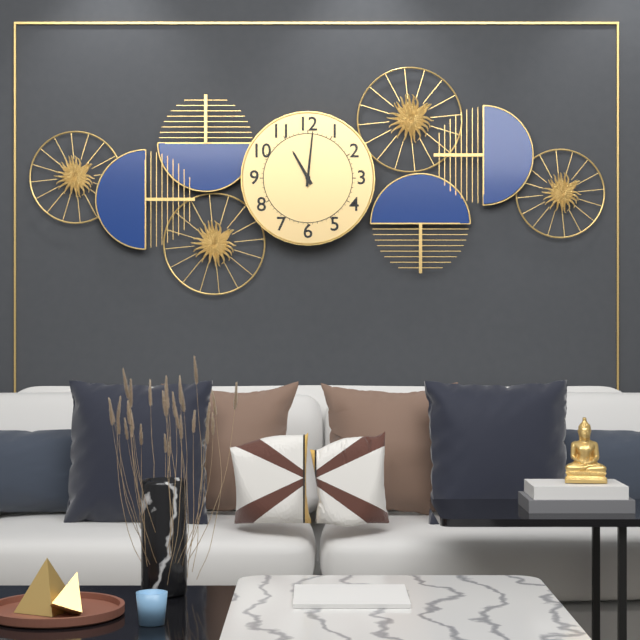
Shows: h=11 m=1
